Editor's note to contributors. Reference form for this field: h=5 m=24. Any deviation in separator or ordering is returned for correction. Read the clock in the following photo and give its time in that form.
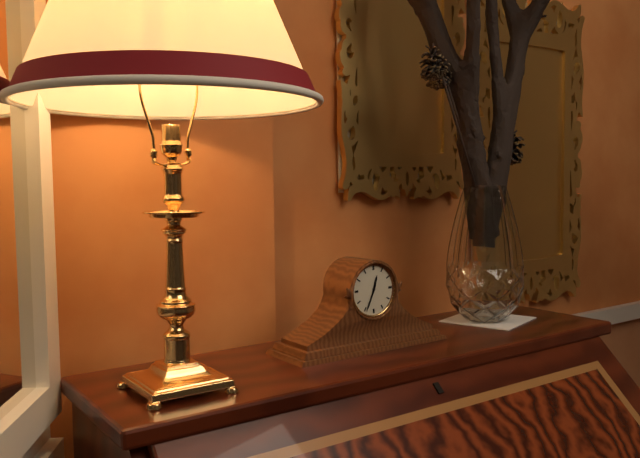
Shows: h=12 m=34
